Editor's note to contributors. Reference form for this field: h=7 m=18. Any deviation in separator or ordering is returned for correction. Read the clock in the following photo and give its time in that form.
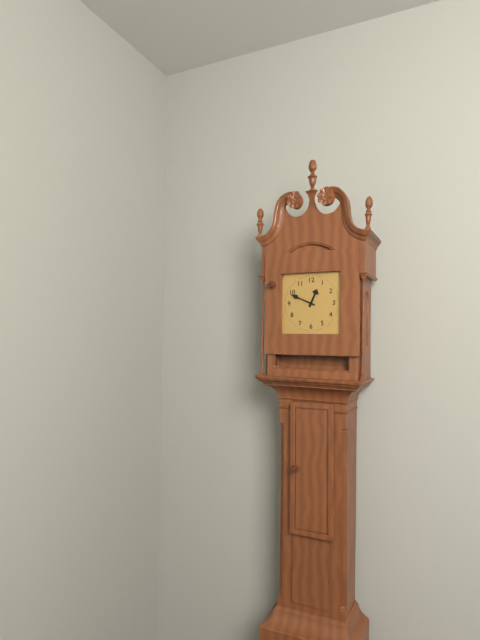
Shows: h=12 m=49
